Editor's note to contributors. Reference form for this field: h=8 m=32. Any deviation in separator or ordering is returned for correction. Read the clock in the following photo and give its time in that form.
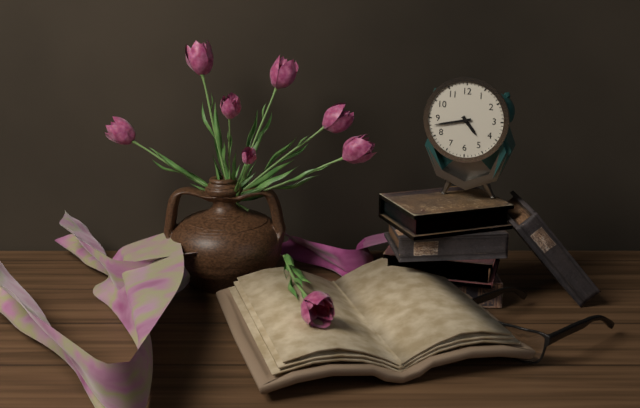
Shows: h=4 m=43
